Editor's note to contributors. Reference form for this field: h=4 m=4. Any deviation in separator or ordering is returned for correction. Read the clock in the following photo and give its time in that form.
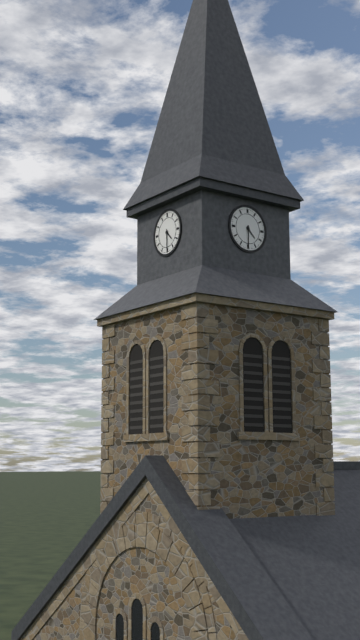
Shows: h=4 m=30
